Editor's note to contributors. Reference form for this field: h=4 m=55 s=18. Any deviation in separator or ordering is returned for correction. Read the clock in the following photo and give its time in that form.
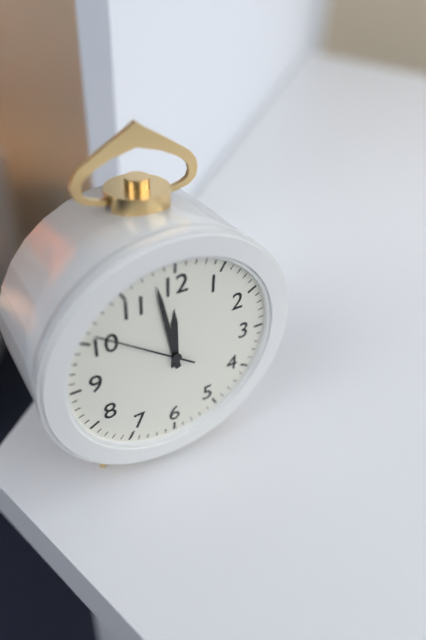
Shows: h=11 m=58 s=51
